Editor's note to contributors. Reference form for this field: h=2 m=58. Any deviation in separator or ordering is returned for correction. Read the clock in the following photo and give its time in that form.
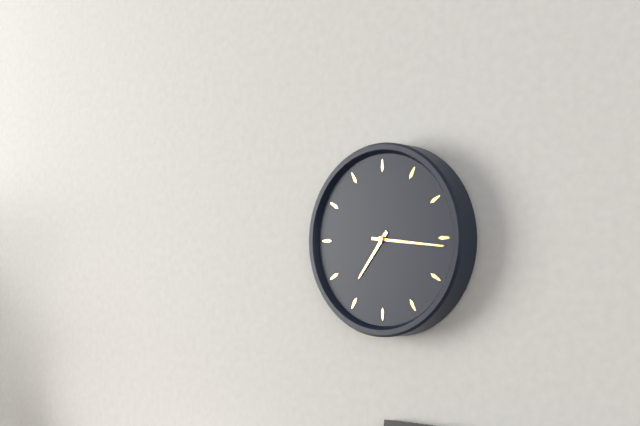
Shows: h=7 m=16
